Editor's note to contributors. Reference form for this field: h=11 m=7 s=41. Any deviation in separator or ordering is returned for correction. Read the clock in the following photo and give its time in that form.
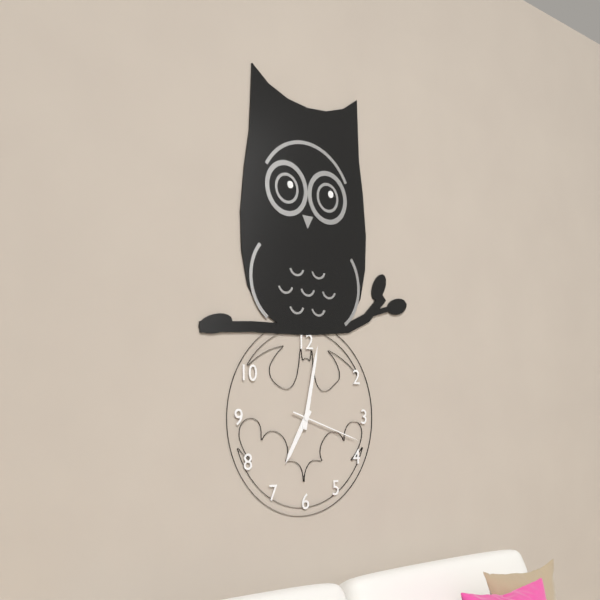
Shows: h=7 m=2 s=18
